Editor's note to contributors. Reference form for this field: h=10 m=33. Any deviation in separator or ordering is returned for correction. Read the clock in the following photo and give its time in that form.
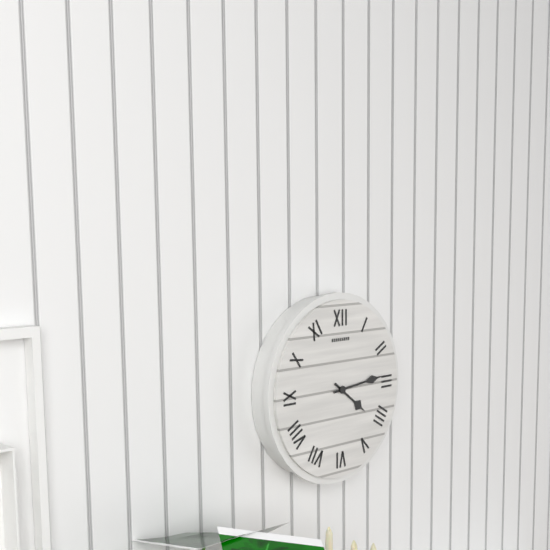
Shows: h=4 m=14
